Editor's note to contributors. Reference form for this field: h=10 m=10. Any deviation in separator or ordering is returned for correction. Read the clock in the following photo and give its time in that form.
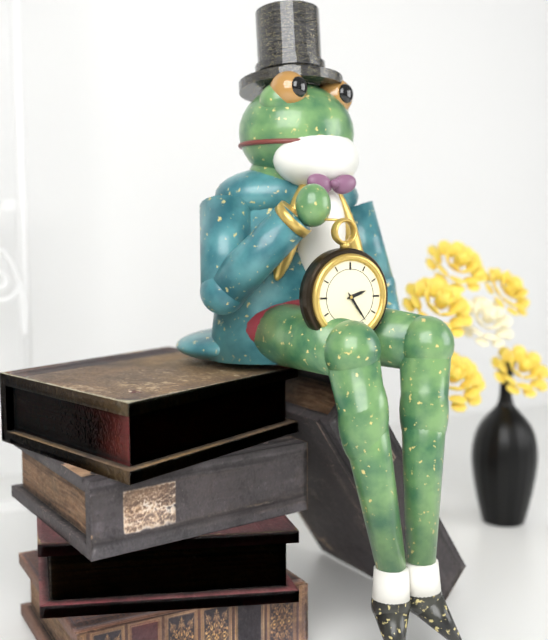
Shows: h=2 m=24
